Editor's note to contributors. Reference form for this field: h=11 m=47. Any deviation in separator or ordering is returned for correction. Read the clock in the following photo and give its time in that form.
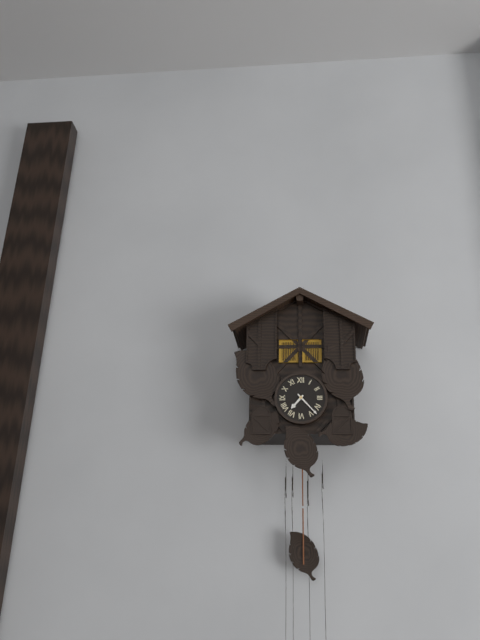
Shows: h=7 m=23
